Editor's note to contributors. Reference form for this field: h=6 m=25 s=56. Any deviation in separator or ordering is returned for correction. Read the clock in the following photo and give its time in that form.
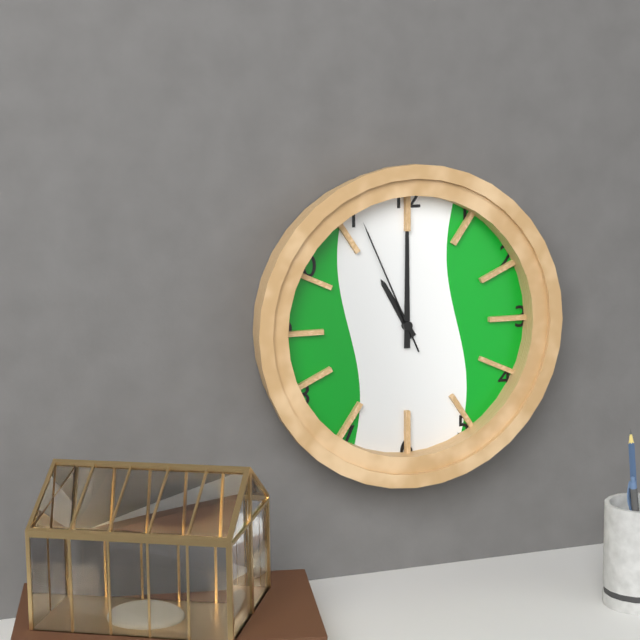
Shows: h=11 m=0 s=56
